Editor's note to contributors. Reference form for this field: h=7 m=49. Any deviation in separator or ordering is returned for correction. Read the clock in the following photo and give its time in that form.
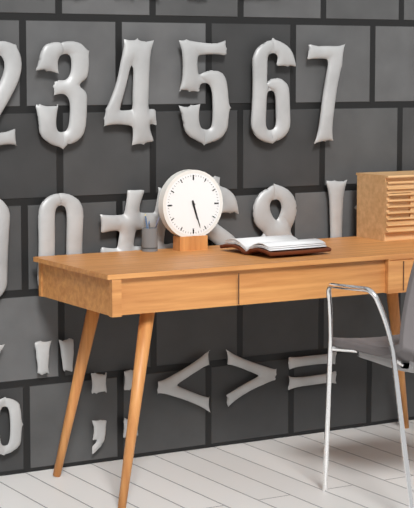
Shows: h=5 m=27
